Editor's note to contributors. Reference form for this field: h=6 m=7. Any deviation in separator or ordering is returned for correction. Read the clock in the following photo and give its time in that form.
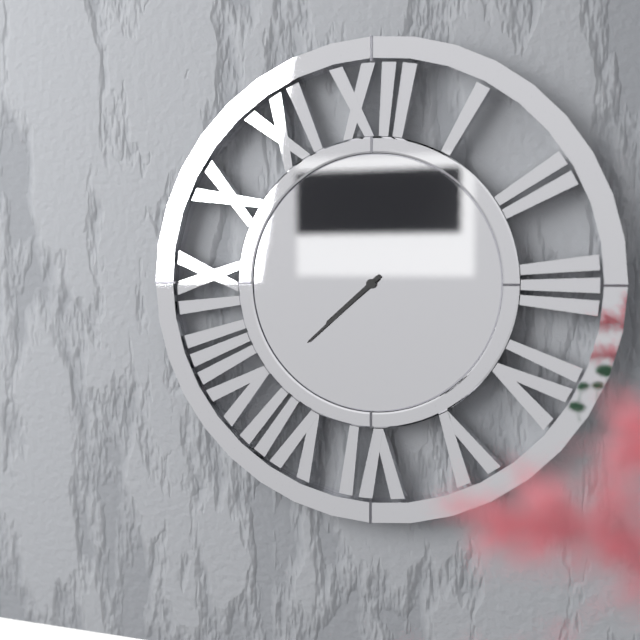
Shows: h=7 m=38
